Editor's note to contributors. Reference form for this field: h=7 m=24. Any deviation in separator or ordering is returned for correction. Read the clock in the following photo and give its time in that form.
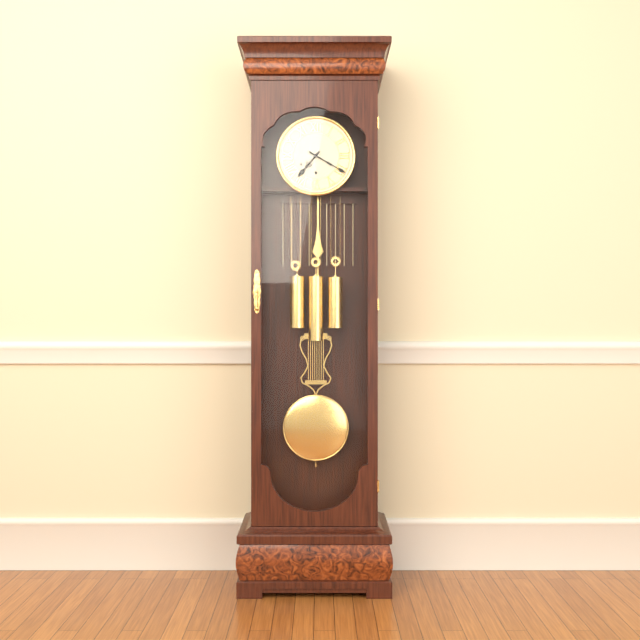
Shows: h=7 m=20
